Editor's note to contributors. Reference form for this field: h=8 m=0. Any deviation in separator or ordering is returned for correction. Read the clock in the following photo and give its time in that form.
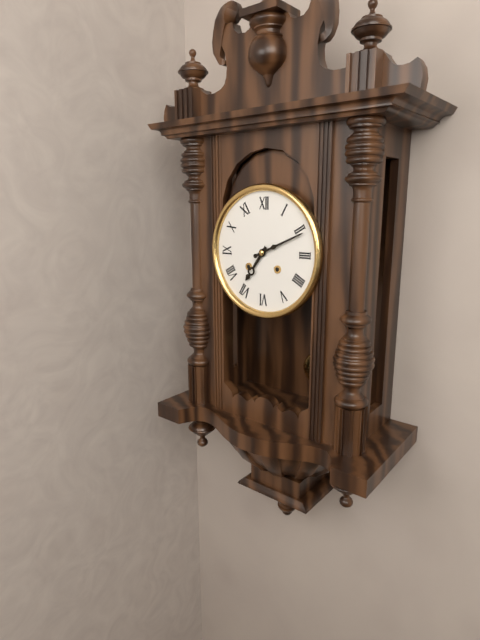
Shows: h=7 m=11
